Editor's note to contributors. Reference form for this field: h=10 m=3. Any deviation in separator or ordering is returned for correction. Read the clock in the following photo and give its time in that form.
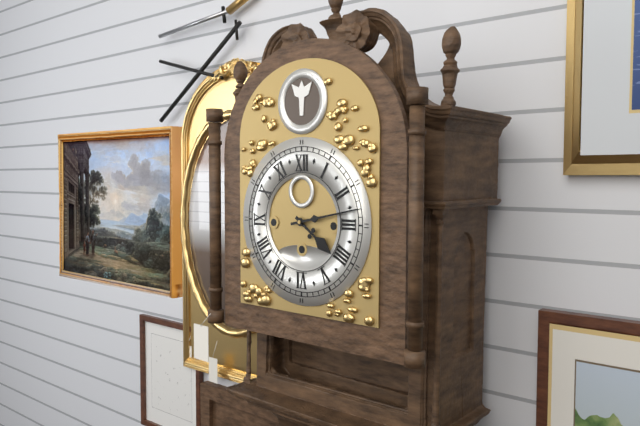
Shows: h=4 m=13
